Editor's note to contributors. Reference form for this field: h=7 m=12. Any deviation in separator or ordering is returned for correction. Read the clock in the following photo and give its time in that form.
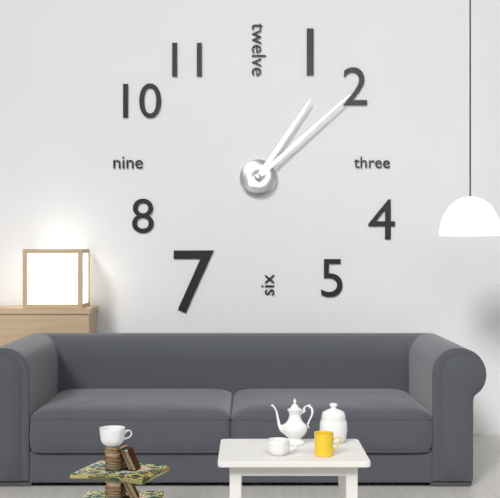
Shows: h=1 m=8
